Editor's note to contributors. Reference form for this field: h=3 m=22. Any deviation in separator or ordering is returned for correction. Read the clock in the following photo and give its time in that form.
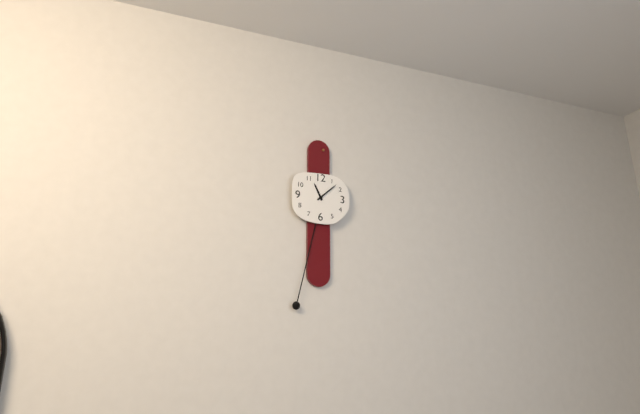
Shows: h=11 m=8
